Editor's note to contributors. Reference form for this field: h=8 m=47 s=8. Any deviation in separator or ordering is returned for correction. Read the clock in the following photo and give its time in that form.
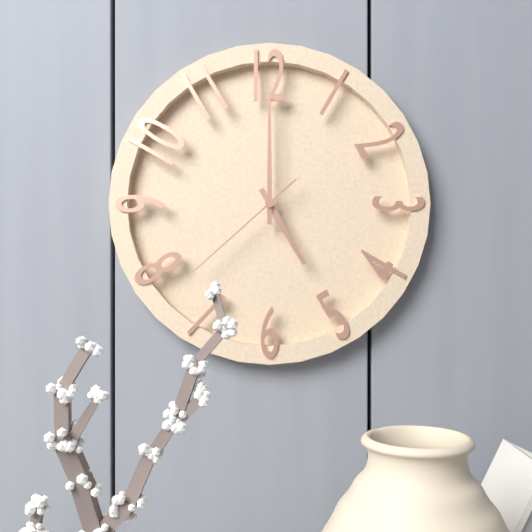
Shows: h=5 m=0 s=38
